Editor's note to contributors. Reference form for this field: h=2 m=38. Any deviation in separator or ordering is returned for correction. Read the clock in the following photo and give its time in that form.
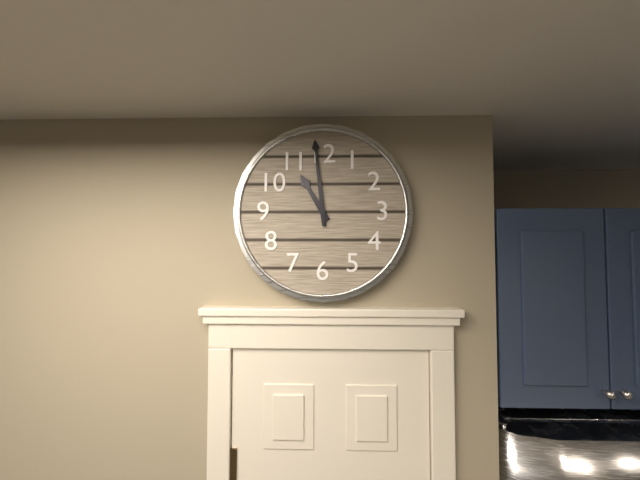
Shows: h=10 m=59
